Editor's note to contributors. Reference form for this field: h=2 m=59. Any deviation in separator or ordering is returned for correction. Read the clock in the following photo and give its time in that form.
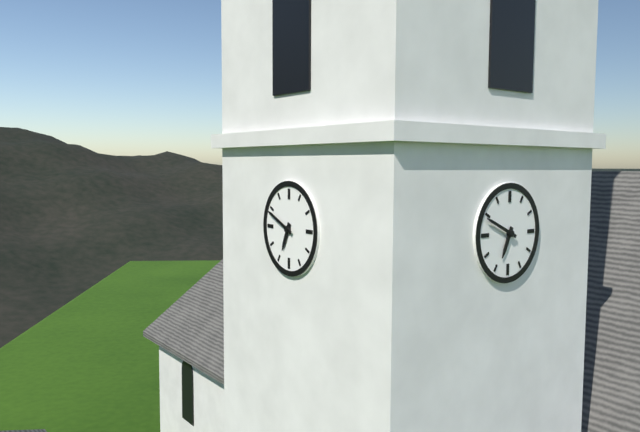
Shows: h=6 m=49
